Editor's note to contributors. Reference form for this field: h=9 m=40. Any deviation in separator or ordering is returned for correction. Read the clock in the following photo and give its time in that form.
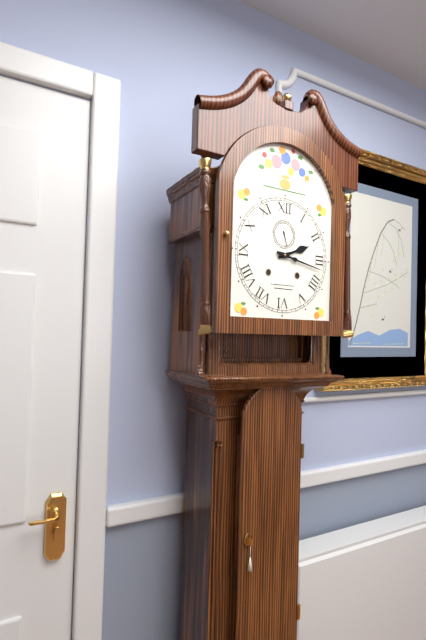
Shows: h=2 m=17
